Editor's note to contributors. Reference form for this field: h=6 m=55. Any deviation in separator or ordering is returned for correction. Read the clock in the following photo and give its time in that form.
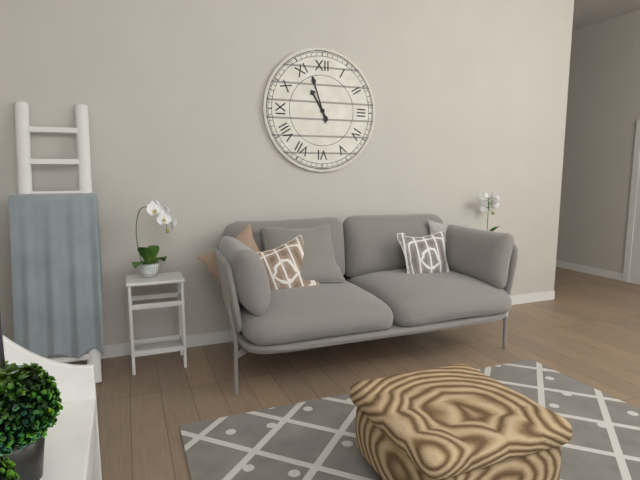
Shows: h=10 m=57
